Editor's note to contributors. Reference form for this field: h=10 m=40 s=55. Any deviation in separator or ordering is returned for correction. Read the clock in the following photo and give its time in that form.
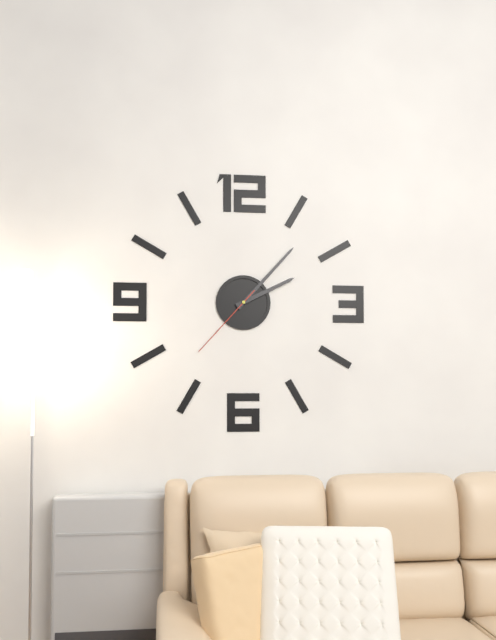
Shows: h=2 m=7 s=37
